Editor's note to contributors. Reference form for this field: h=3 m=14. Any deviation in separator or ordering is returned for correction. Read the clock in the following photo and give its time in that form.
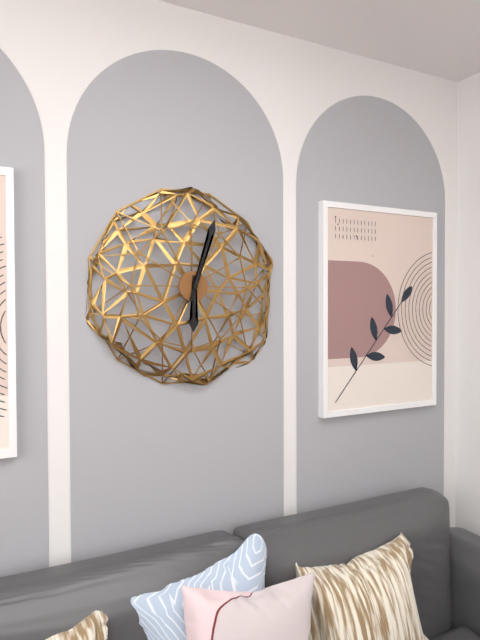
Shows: h=6 m=3
